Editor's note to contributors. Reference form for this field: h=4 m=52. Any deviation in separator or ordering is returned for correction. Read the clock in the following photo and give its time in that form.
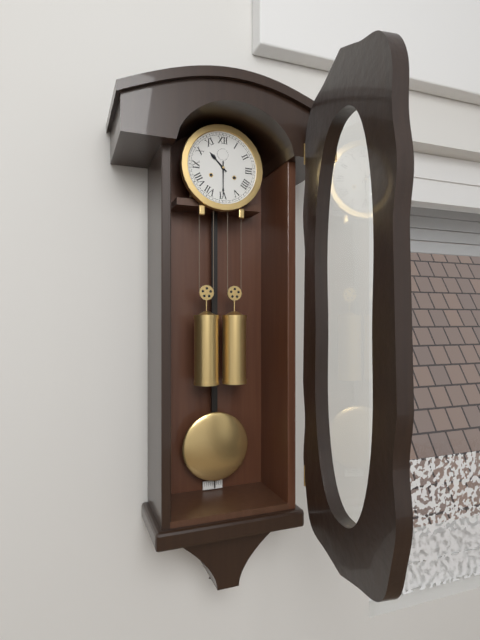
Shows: h=10 m=30
